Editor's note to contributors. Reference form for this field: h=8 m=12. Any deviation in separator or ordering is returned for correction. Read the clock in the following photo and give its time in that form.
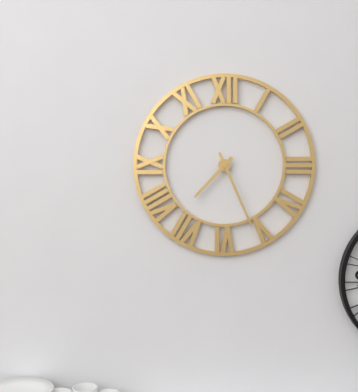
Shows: h=7 m=26
